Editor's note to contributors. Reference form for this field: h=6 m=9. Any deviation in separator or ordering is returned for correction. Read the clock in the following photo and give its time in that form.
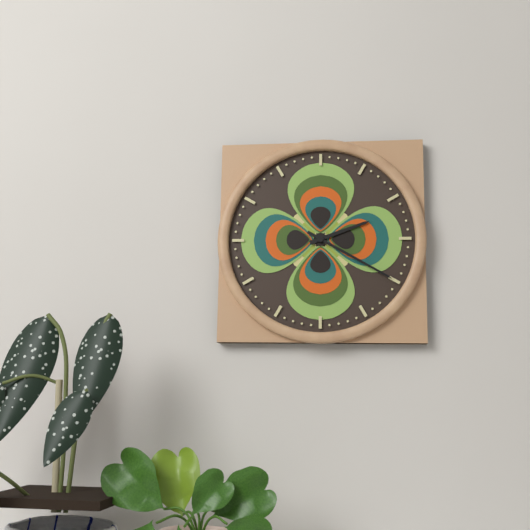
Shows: h=2 m=20
